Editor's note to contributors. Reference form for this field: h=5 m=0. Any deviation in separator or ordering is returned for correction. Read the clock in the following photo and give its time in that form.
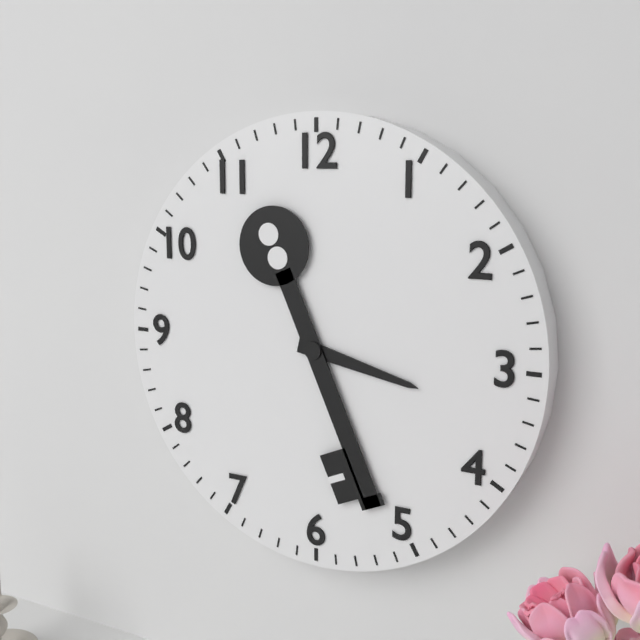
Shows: h=3 m=26
